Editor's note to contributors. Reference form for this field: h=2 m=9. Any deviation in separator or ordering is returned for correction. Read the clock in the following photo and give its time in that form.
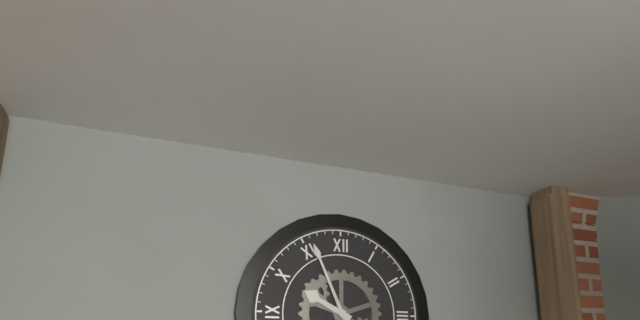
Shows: h=9 m=56
